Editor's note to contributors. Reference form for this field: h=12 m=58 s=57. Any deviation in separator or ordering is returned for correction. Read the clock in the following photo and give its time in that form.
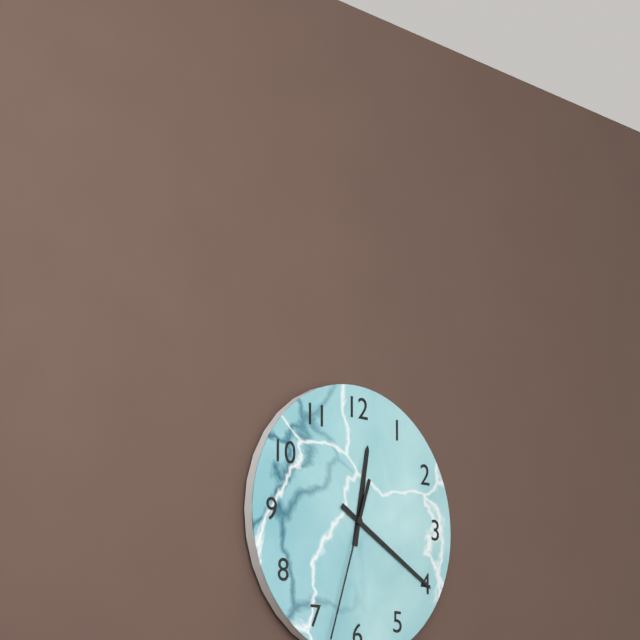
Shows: h=12 m=20 s=33
